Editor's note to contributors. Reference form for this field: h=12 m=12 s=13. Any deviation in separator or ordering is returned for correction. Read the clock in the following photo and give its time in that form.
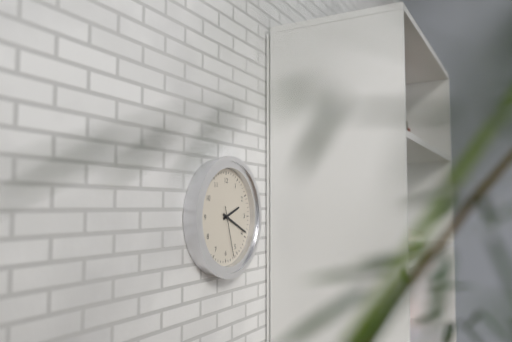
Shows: h=2 m=19 s=27
